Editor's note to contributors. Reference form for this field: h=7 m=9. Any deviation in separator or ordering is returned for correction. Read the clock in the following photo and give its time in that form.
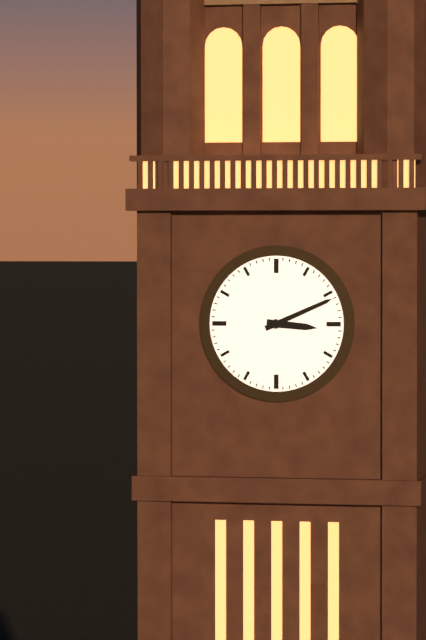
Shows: h=3 m=11
